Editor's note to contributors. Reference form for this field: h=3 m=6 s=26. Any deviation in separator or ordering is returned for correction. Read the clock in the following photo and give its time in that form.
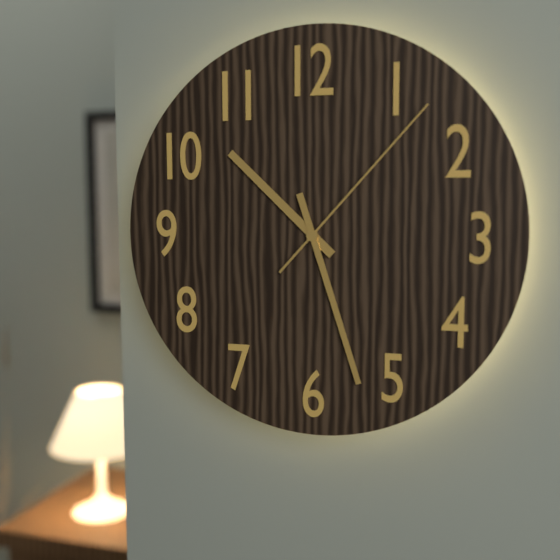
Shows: h=10 m=27 s=7
